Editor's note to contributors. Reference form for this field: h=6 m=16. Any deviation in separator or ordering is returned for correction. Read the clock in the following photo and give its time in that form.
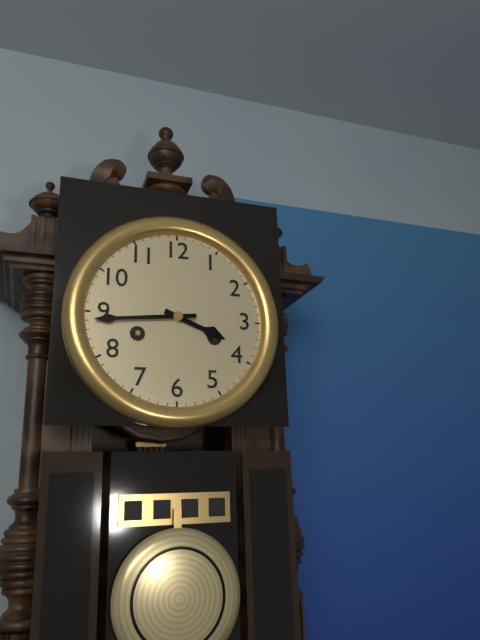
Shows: h=3 m=44
